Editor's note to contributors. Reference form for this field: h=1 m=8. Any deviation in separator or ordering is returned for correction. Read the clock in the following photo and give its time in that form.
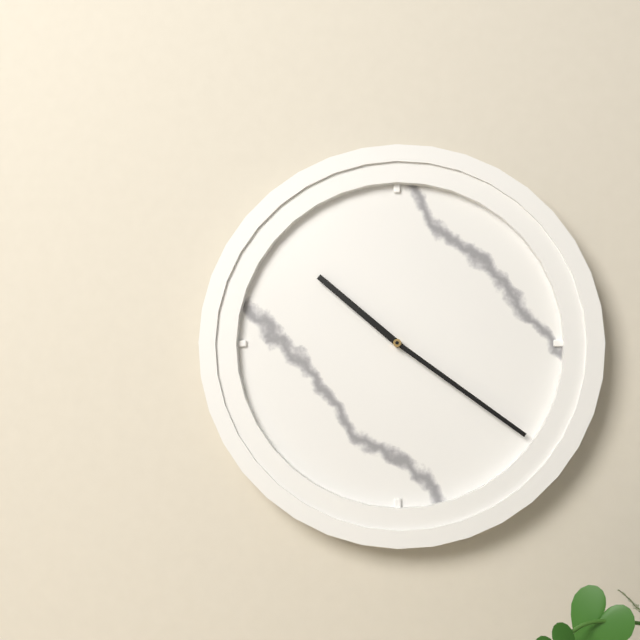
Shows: h=10 m=21
